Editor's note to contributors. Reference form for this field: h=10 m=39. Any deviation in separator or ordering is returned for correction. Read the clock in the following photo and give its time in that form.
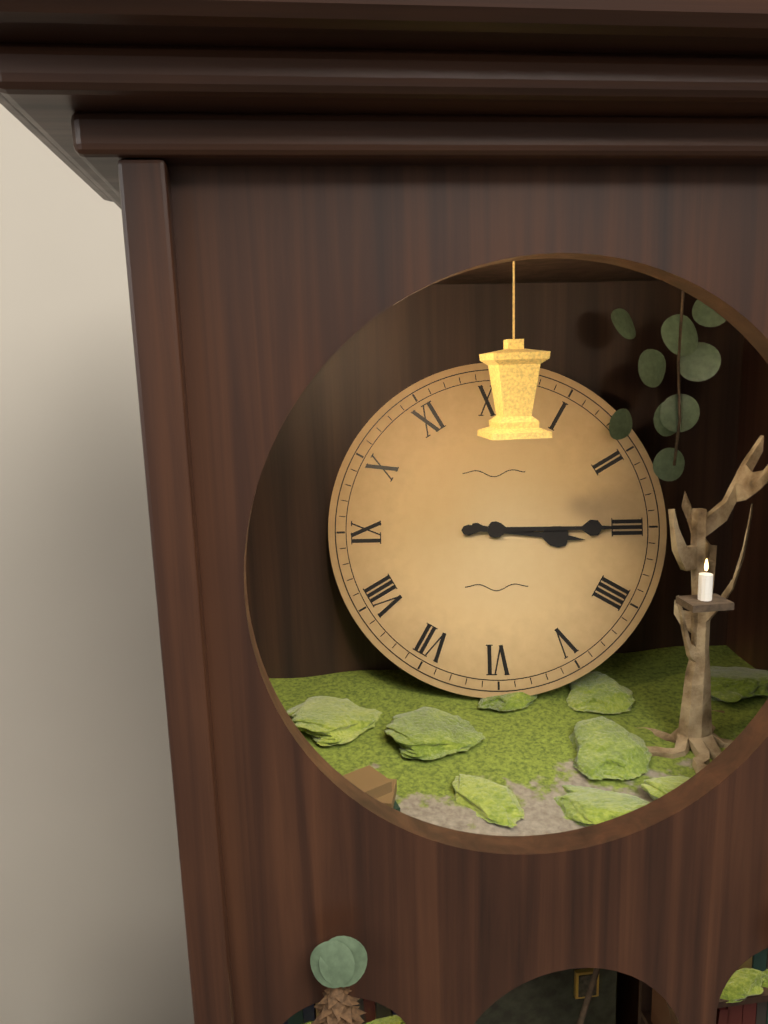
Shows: h=3 m=15
